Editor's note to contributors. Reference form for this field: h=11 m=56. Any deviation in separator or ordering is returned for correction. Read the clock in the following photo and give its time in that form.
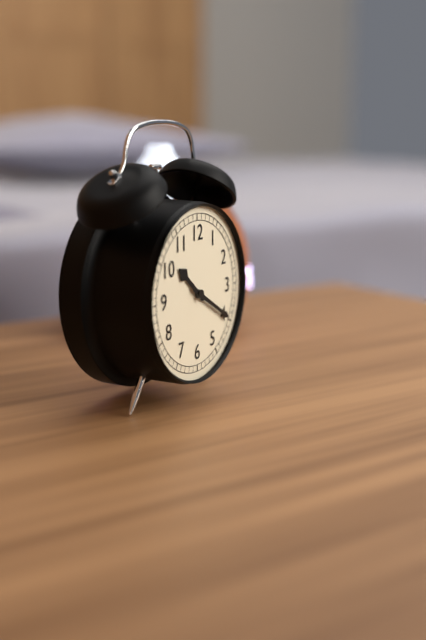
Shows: h=10 m=20
